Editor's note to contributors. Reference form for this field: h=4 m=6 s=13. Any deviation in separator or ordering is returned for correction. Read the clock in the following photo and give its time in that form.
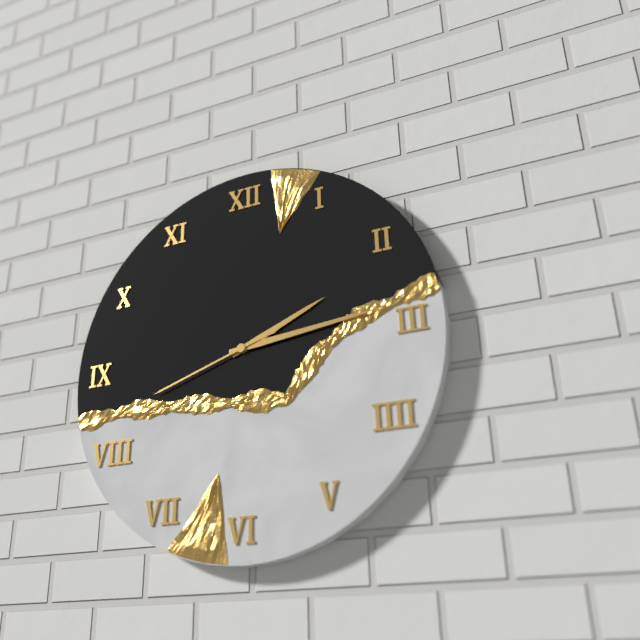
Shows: h=2 m=14 s=42
